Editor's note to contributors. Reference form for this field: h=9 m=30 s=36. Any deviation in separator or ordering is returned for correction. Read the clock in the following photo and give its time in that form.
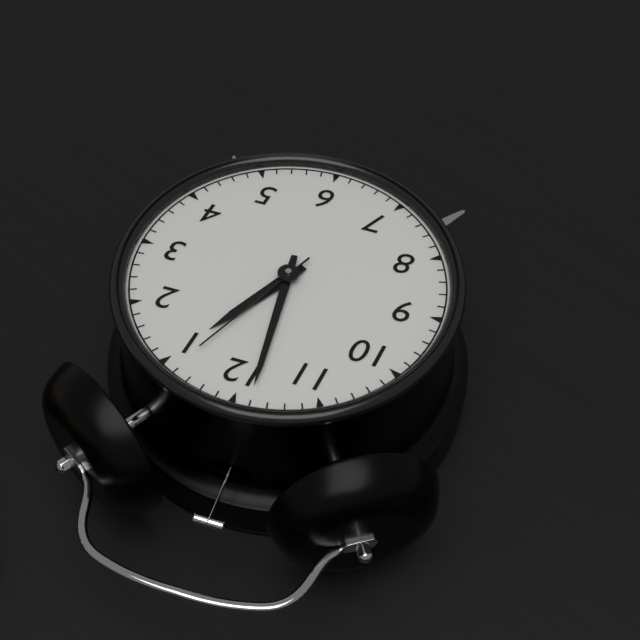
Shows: h=12 m=59 s=4
